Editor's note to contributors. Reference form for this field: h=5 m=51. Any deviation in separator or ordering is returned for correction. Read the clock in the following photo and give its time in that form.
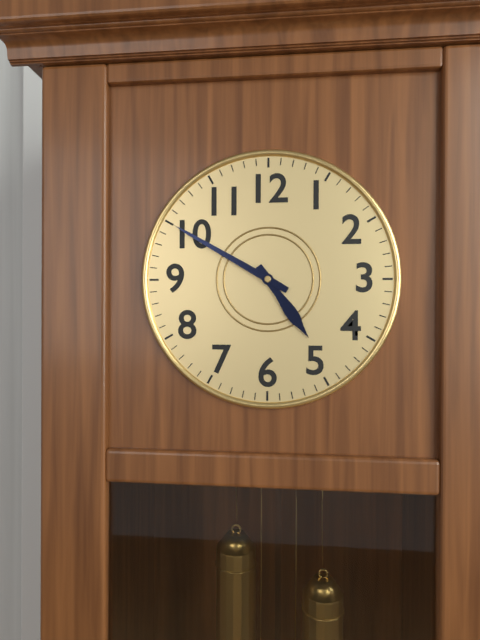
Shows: h=4 m=50
